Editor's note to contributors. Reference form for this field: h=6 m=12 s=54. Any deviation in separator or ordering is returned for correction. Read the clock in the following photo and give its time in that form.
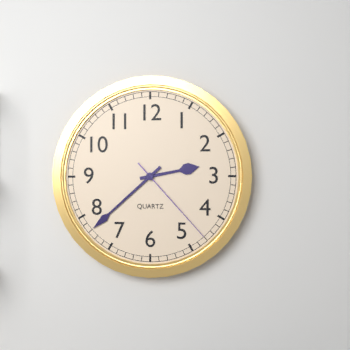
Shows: h=2 m=38 s=23
